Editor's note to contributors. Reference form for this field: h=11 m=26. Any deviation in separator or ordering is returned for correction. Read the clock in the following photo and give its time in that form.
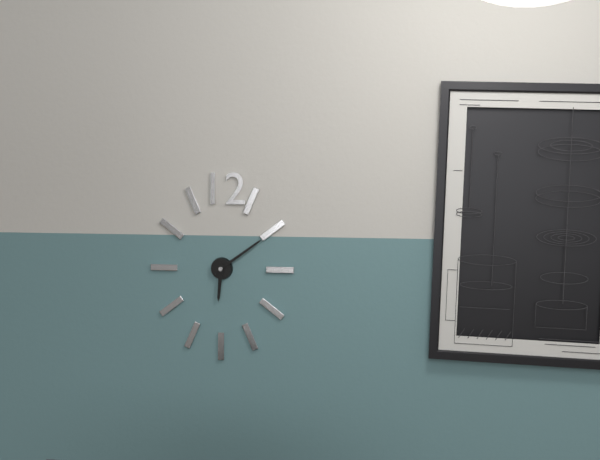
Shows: h=6 m=9
